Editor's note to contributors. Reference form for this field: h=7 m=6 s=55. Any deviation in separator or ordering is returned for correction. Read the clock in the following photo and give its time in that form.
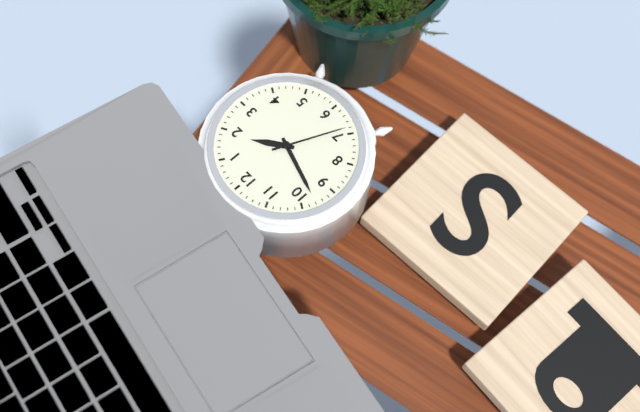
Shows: h=1 m=48 s=34
